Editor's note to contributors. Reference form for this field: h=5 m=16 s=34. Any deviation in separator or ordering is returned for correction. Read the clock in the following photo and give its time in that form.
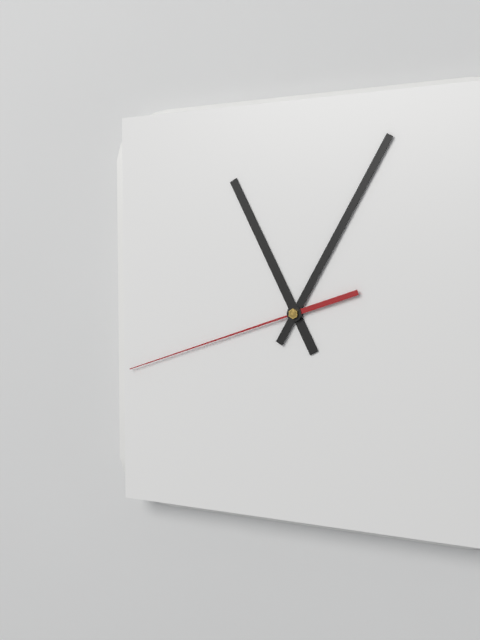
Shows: h=11 m=5 s=42
